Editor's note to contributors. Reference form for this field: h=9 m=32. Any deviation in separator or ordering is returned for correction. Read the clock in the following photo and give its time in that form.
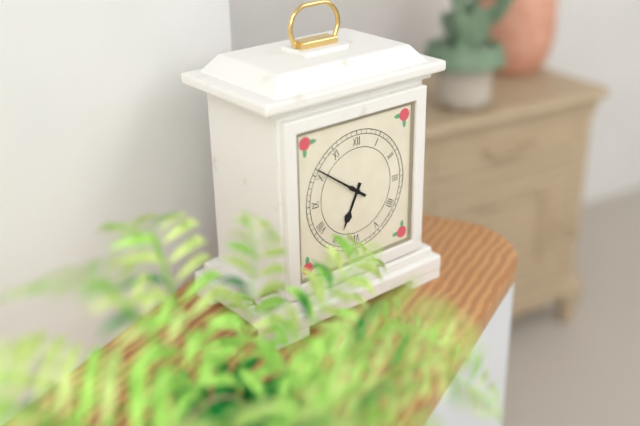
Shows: h=6 m=51
